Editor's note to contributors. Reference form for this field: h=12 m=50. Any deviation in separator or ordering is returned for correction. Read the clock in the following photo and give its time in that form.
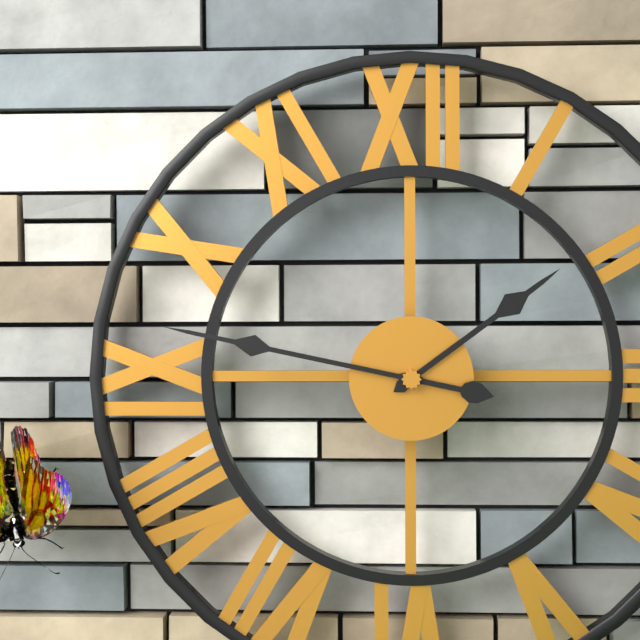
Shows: h=1 m=47
